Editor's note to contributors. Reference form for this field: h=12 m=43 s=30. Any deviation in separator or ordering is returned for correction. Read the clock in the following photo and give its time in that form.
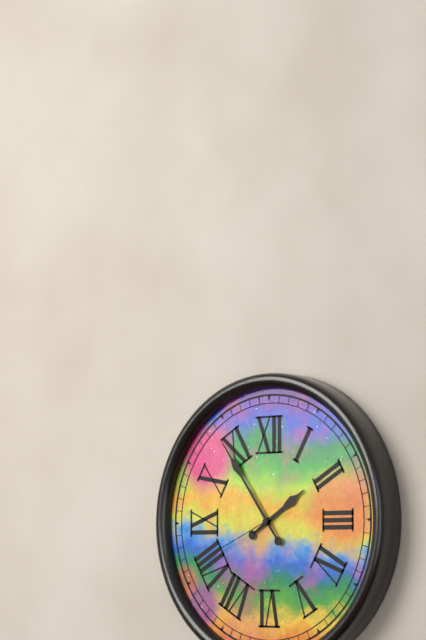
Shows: h=1 m=54 s=41
